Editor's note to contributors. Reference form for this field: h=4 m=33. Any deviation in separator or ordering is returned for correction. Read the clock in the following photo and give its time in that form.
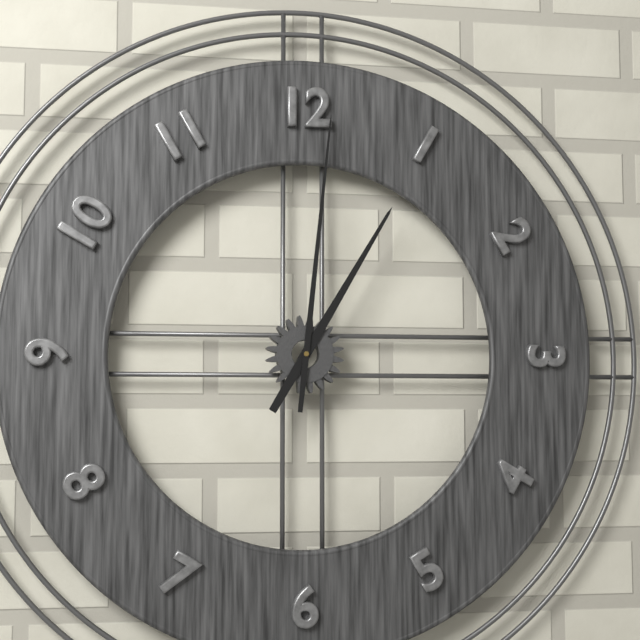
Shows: h=1 m=1
